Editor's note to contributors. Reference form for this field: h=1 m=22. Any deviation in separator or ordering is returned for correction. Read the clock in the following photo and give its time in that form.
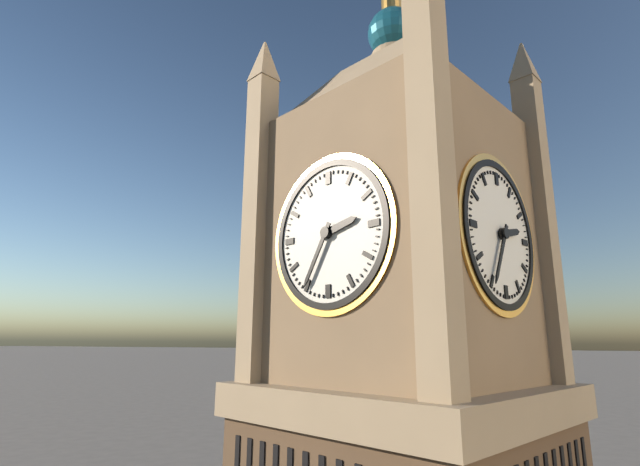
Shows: h=2 m=35
